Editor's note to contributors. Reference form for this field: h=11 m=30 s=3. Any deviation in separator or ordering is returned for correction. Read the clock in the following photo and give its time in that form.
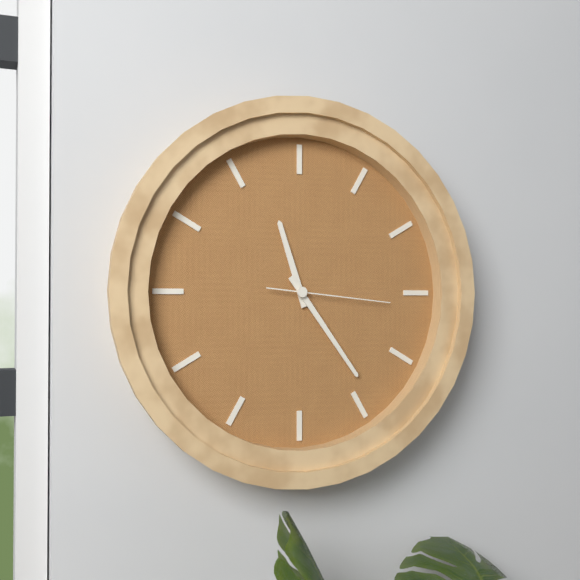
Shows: h=11 m=24 s=16
